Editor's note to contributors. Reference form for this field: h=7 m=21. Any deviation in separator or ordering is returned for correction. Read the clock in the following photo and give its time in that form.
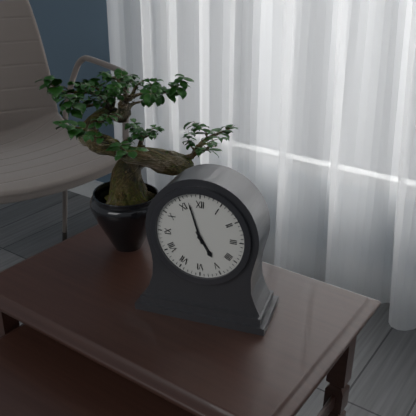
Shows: h=4 m=57
